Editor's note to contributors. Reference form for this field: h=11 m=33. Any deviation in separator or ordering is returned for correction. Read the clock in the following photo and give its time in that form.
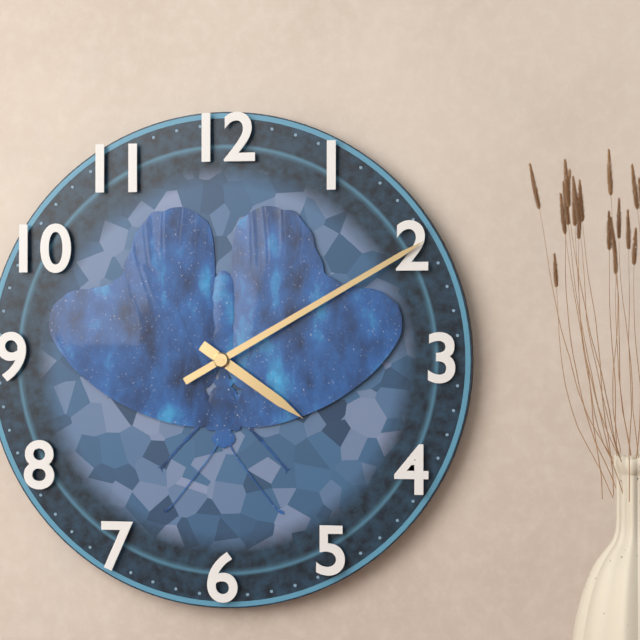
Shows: h=4 m=10
